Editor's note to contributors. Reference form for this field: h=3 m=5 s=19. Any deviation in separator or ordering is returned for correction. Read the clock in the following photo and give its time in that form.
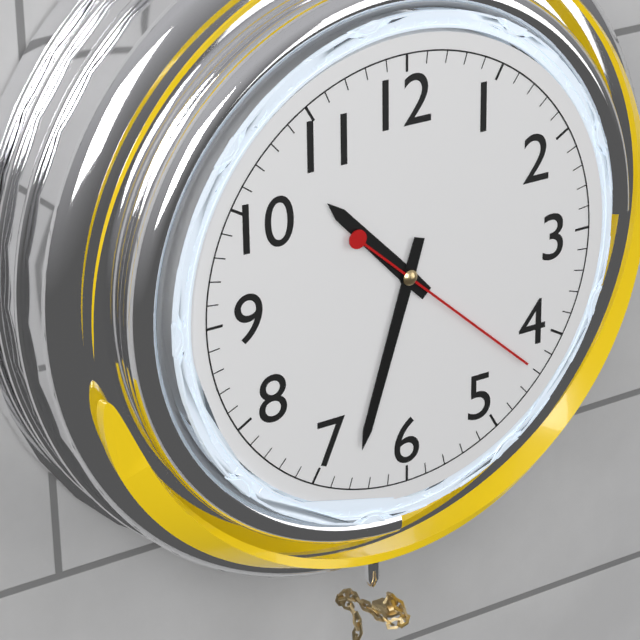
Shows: h=10 m=33 s=22
